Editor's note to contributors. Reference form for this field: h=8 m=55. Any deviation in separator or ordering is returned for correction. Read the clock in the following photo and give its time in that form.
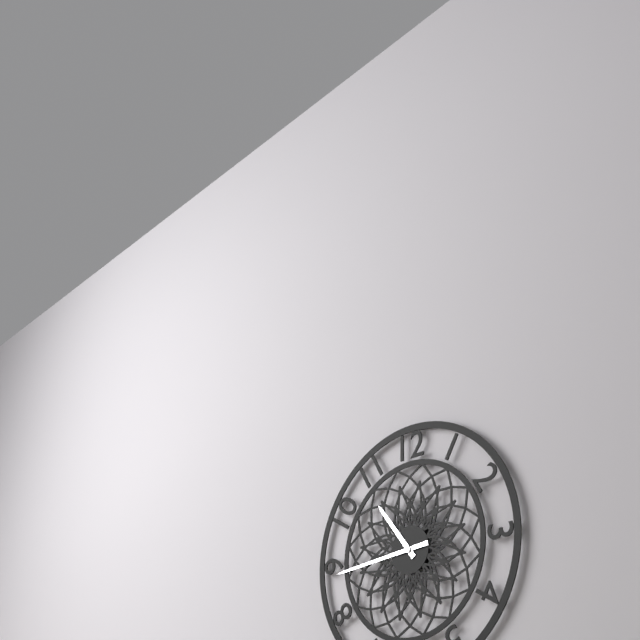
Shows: h=10 m=44
